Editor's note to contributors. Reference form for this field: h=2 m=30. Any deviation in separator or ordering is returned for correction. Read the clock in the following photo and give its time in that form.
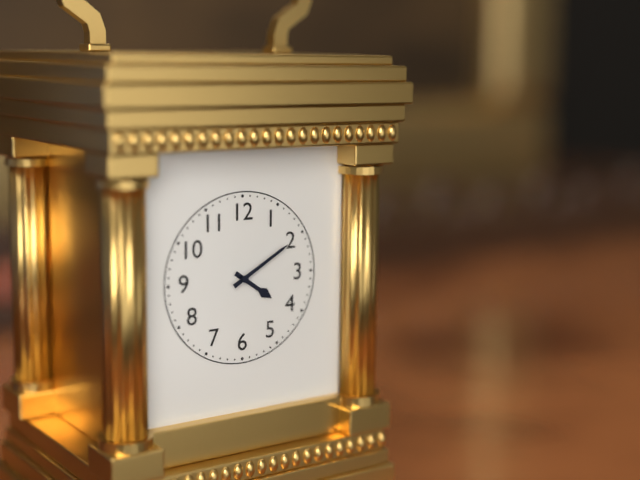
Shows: h=4 m=10
